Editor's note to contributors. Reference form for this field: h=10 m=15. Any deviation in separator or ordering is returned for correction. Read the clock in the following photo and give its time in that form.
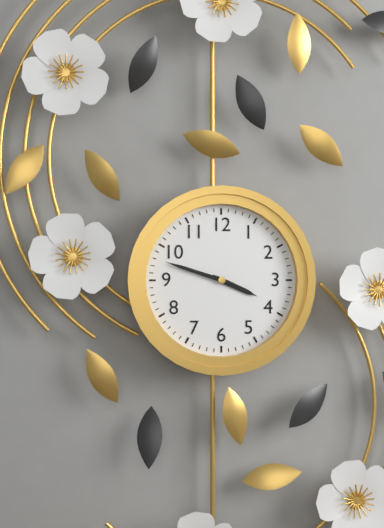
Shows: h=3 m=48
